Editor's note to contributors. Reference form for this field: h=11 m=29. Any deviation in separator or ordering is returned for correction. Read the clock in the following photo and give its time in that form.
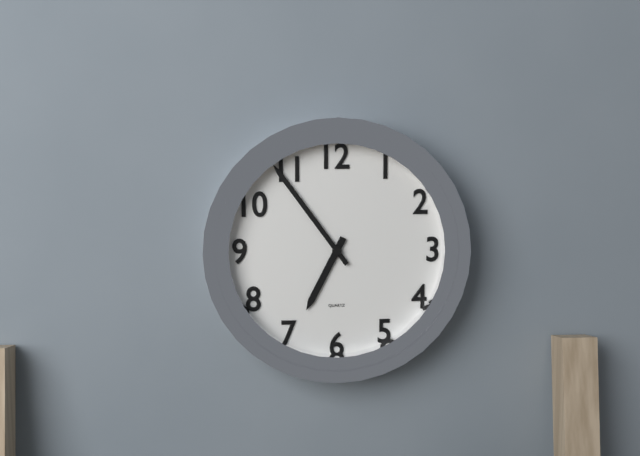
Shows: h=6 m=54
